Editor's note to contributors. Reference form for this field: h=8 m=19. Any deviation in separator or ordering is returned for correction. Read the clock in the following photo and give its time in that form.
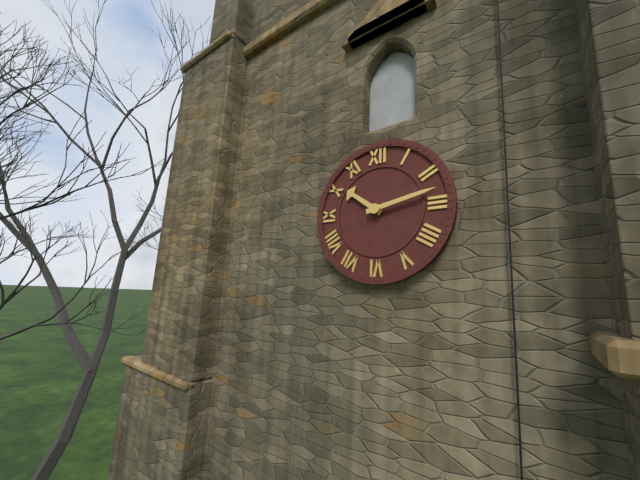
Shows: h=10 m=13
